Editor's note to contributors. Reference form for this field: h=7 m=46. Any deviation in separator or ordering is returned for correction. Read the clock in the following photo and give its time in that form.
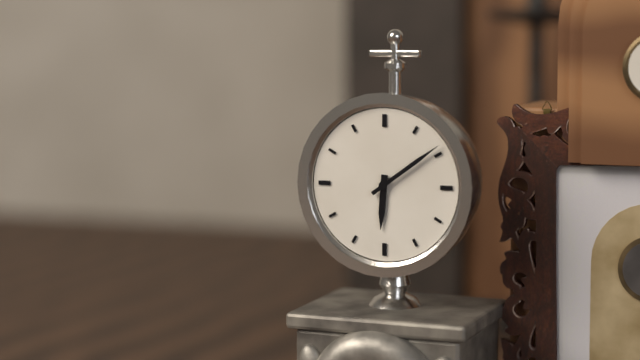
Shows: h=6 m=9
